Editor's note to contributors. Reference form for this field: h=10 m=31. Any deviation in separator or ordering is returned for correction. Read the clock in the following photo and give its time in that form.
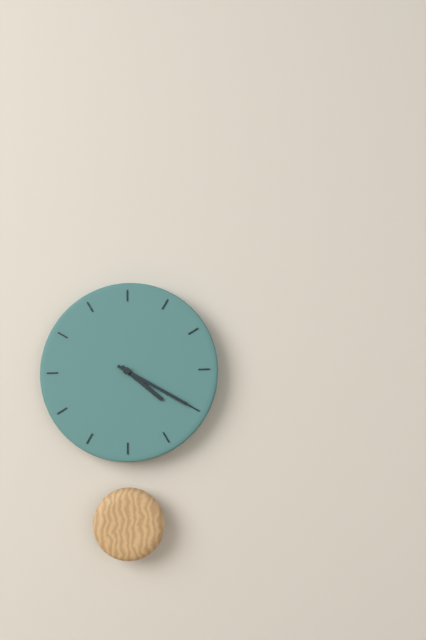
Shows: h=4 m=20
